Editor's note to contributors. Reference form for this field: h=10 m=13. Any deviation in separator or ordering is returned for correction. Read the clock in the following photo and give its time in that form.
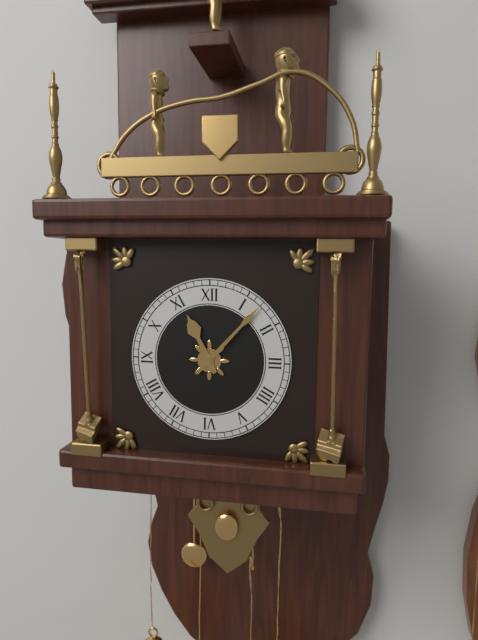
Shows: h=11 m=7
